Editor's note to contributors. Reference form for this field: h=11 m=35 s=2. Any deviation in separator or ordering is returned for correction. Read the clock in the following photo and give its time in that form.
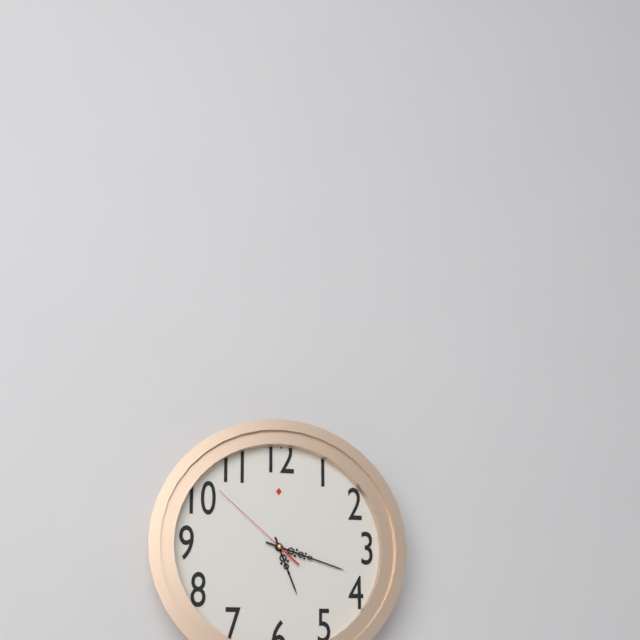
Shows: h=5 m=18 s=52
